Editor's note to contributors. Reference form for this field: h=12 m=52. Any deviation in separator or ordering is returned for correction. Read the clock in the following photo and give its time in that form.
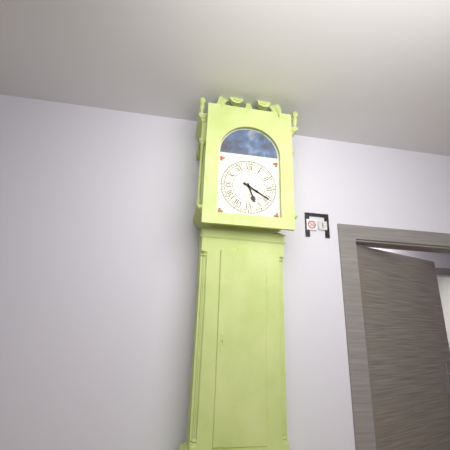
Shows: h=5 m=20
